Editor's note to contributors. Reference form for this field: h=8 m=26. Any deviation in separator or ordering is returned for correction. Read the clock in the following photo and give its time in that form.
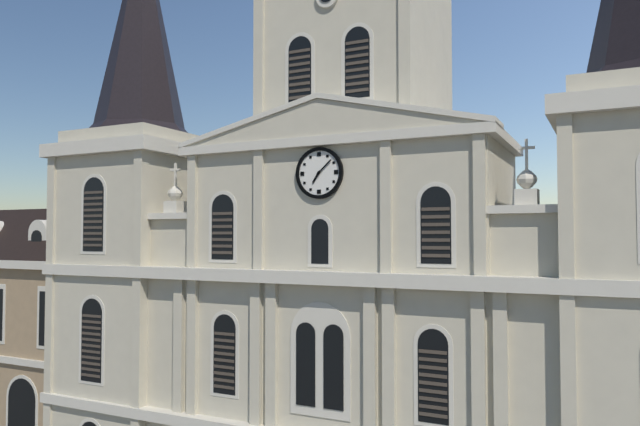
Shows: h=7 m=8
